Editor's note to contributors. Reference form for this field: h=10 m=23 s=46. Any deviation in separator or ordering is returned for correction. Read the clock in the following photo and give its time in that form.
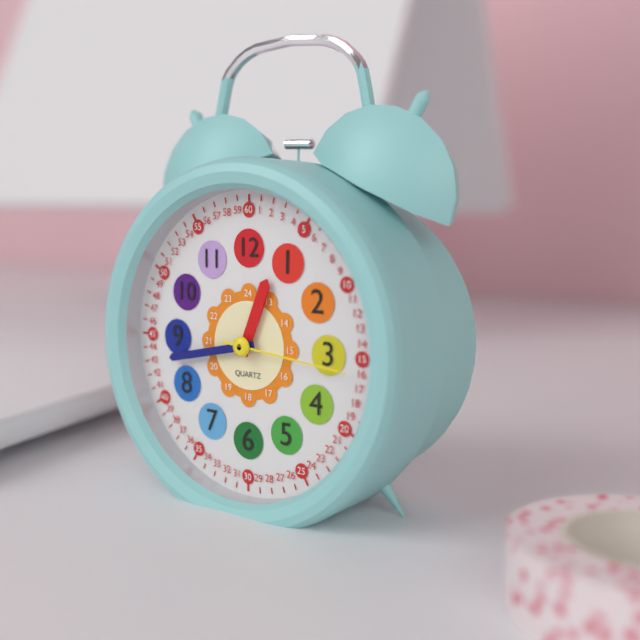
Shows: h=12 m=43 s=16
